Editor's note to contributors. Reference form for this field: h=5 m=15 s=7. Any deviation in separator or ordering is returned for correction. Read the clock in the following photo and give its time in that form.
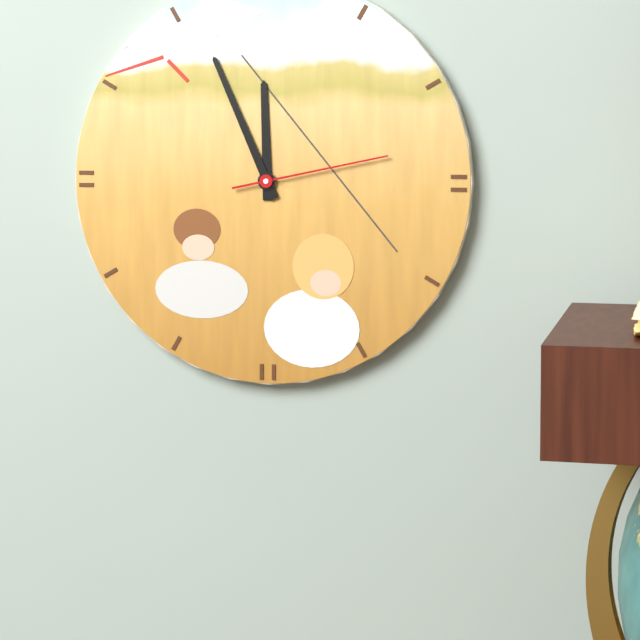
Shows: h=11 m=56 s=13
